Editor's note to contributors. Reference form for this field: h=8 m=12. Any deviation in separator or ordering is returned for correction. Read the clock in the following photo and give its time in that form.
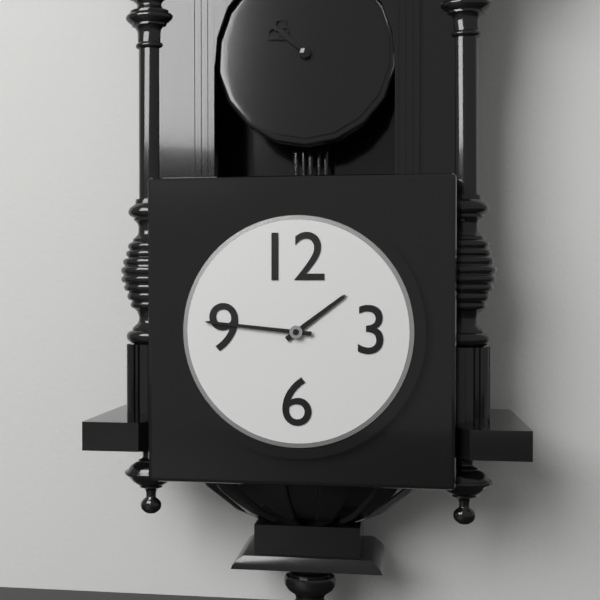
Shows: h=1 m=46
